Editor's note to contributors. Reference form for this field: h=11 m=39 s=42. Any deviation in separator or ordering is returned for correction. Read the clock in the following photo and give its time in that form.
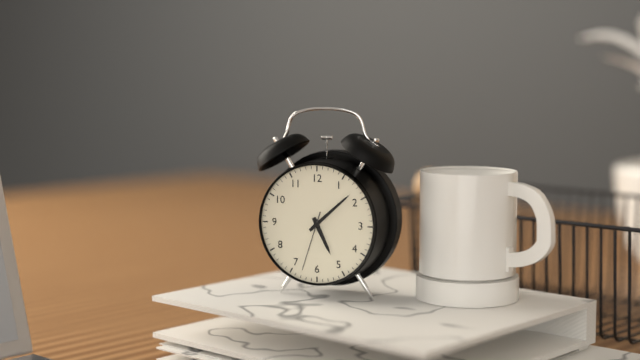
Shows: h=5 m=8 s=33
